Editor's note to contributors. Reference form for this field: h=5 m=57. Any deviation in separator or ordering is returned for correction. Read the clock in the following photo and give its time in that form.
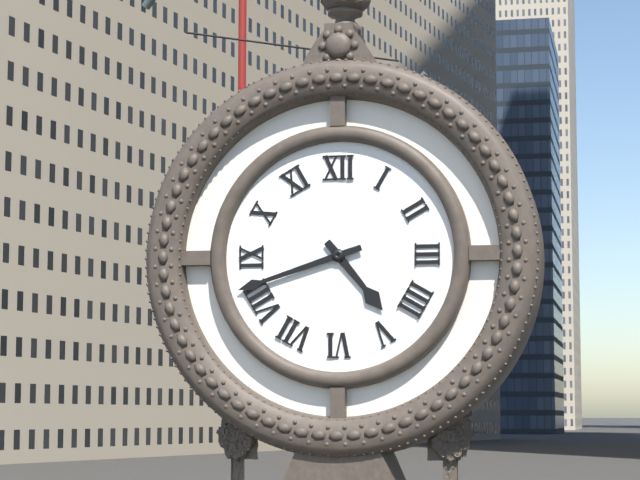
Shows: h=4 m=42
